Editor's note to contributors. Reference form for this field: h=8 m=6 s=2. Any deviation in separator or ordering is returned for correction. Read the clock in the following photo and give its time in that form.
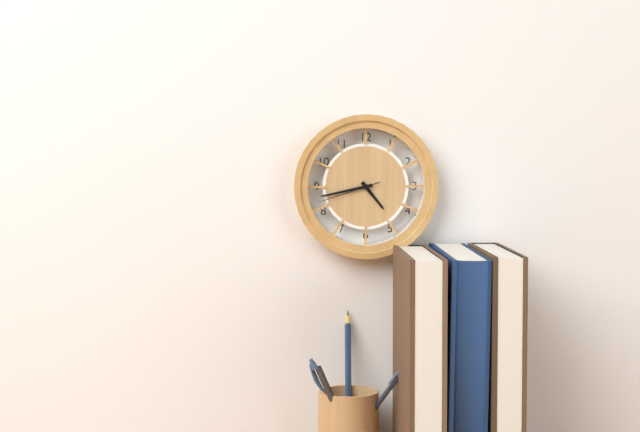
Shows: h=4 m=43 s=42
